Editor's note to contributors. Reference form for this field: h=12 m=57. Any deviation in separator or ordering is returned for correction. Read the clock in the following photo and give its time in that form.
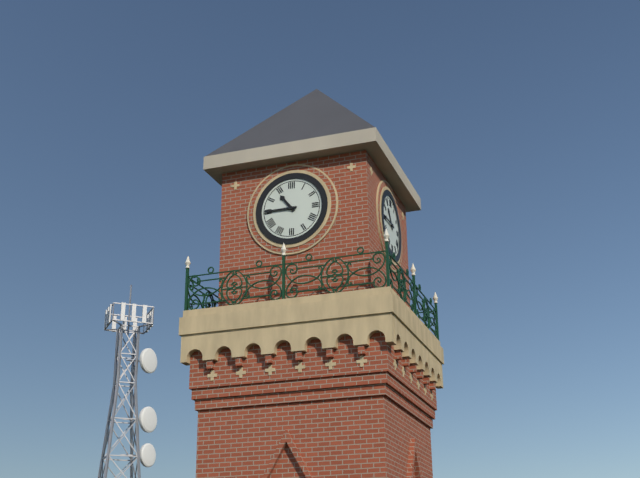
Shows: h=10 m=45
